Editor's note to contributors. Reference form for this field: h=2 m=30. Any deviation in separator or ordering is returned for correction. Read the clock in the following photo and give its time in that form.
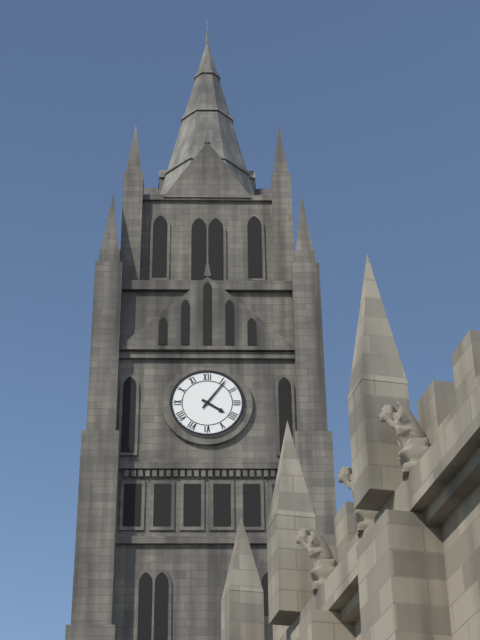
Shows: h=4 m=6
